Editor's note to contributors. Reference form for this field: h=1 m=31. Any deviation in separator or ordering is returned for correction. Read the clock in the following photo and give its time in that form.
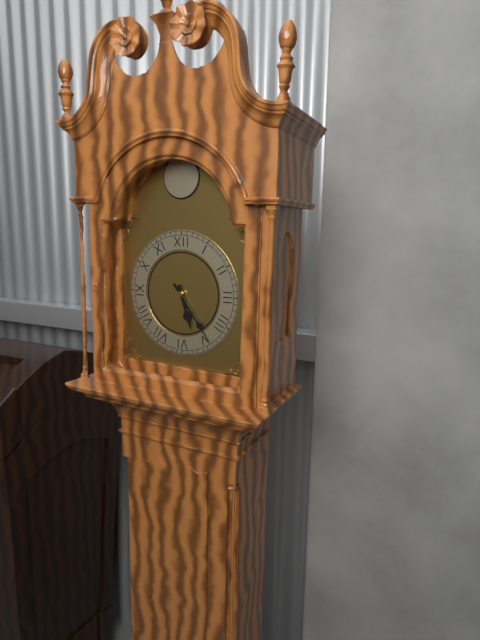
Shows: h=5 m=24
